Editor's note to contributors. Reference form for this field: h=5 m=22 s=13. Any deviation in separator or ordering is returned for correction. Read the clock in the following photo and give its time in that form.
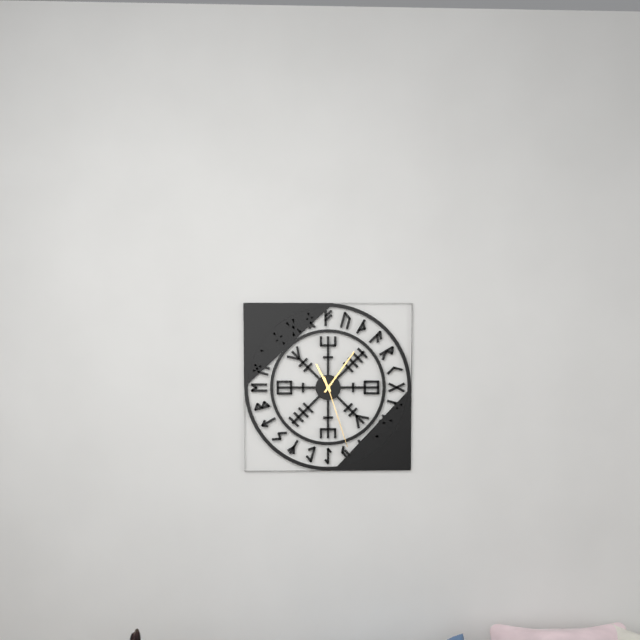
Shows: h=11 m=6 s=27
